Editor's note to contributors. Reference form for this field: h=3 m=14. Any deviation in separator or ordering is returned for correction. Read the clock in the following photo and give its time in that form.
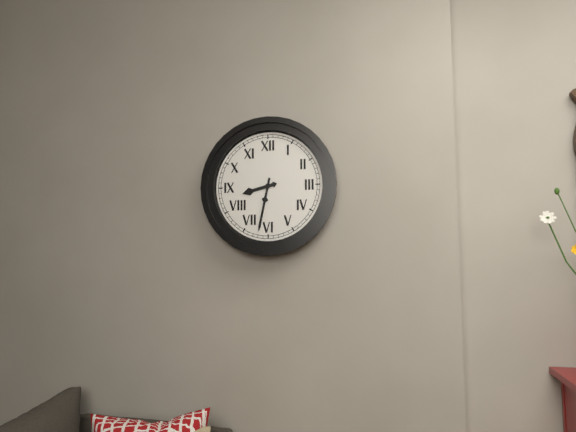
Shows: h=8 m=32
